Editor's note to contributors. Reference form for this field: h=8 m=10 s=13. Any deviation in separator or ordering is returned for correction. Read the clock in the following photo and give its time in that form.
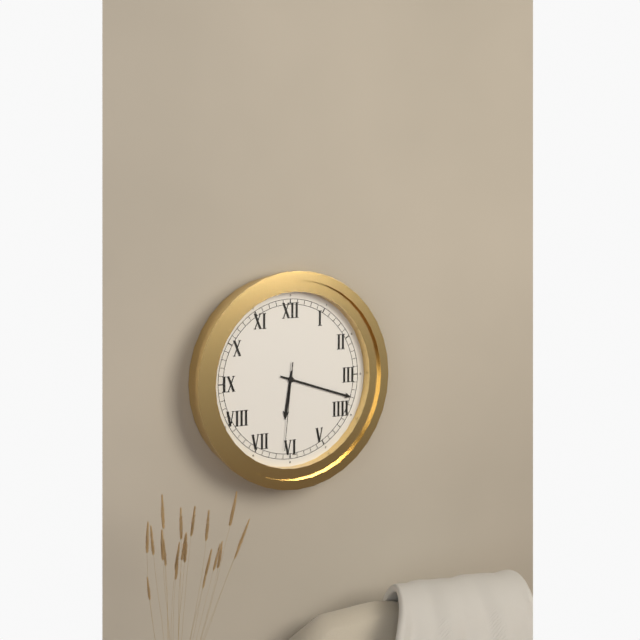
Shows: h=6 m=18 s=31
